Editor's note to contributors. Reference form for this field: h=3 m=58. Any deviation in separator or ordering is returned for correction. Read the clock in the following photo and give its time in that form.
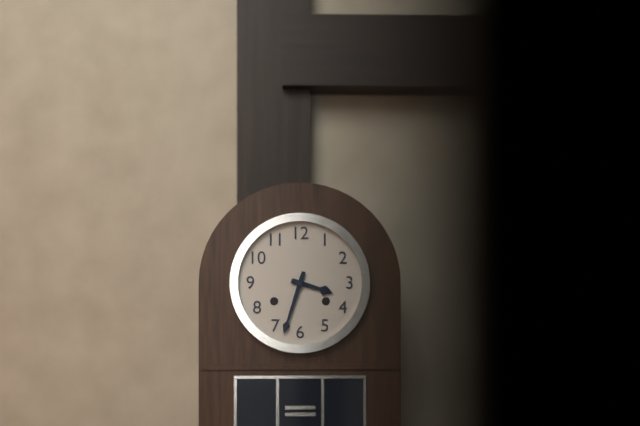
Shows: h=3 m=33
